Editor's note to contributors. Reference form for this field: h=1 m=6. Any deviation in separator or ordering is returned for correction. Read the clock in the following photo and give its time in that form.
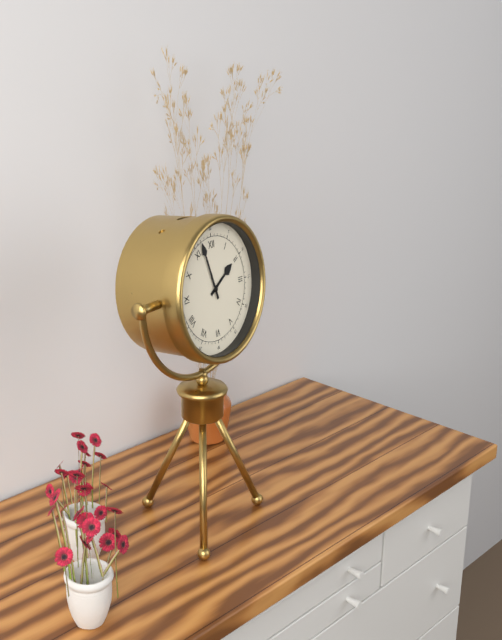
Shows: h=1 m=57
